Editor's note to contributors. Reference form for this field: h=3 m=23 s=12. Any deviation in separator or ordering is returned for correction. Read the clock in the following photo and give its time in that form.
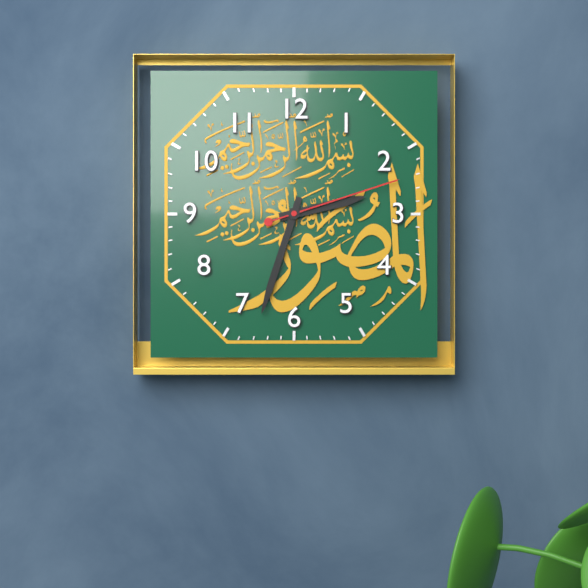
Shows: h=2 m=33 s=12
